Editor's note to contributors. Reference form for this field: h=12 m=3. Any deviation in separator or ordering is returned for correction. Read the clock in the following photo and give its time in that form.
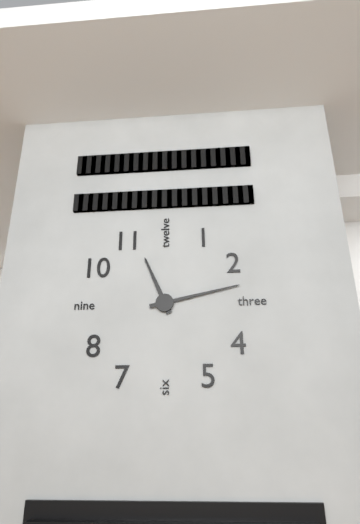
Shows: h=11 m=13
